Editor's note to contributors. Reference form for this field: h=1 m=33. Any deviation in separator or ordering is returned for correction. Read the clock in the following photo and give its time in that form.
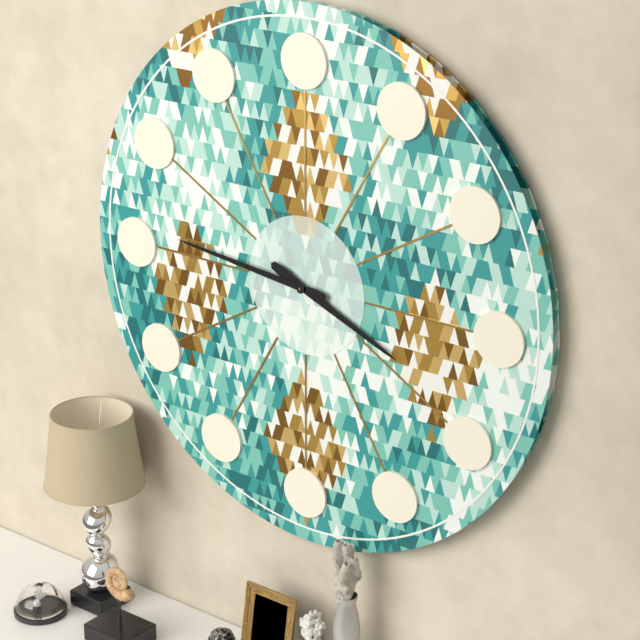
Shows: h=3 m=46
